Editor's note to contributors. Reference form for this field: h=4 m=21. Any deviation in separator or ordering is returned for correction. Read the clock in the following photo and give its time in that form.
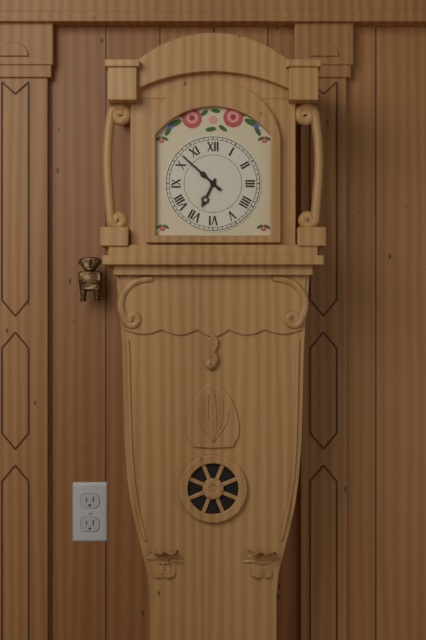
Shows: h=6 m=52
